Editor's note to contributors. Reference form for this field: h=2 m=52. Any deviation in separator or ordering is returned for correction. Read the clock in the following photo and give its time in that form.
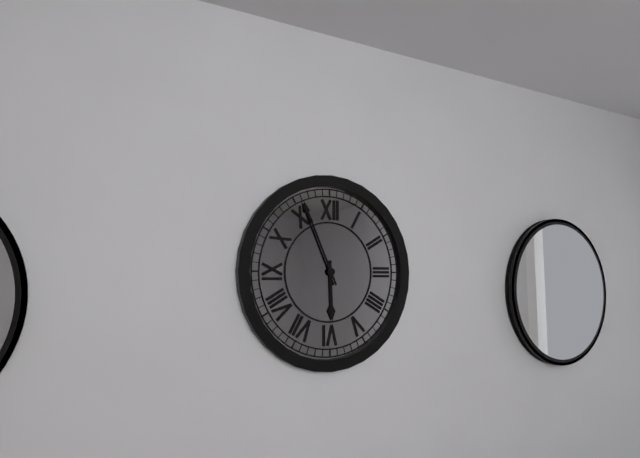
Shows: h=5 m=56
